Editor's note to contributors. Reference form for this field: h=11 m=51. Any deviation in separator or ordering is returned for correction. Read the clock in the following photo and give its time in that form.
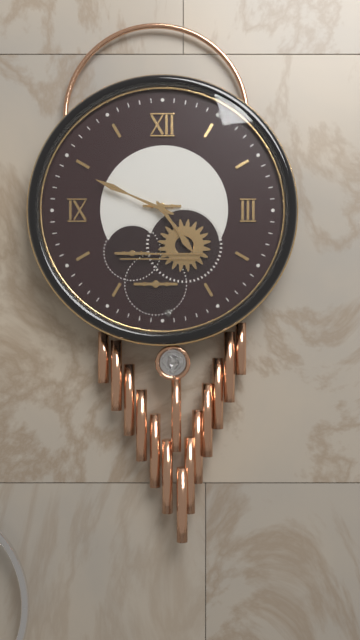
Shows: h=4 m=49
